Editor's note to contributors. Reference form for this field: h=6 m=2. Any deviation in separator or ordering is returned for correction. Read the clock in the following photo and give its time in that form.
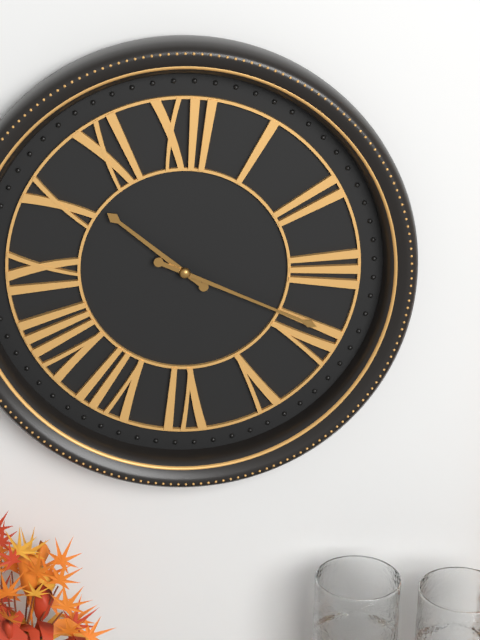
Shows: h=10 m=19
